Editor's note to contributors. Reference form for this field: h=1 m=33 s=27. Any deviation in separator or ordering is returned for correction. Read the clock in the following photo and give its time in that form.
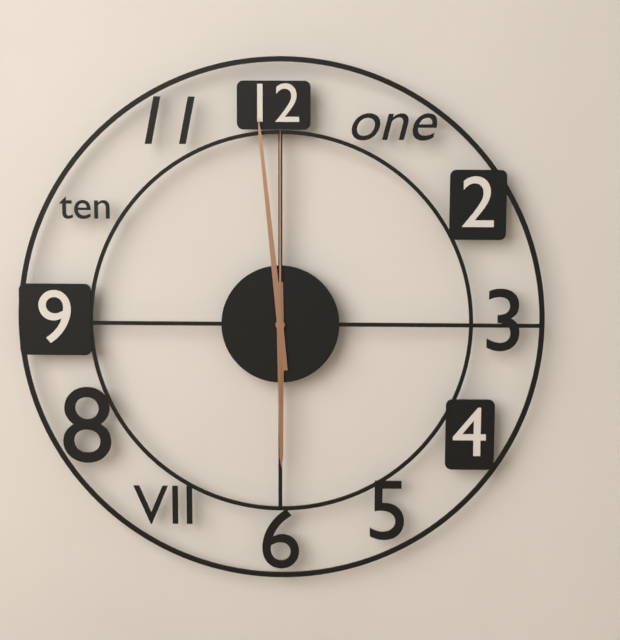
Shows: h=5 m=59 s=0
